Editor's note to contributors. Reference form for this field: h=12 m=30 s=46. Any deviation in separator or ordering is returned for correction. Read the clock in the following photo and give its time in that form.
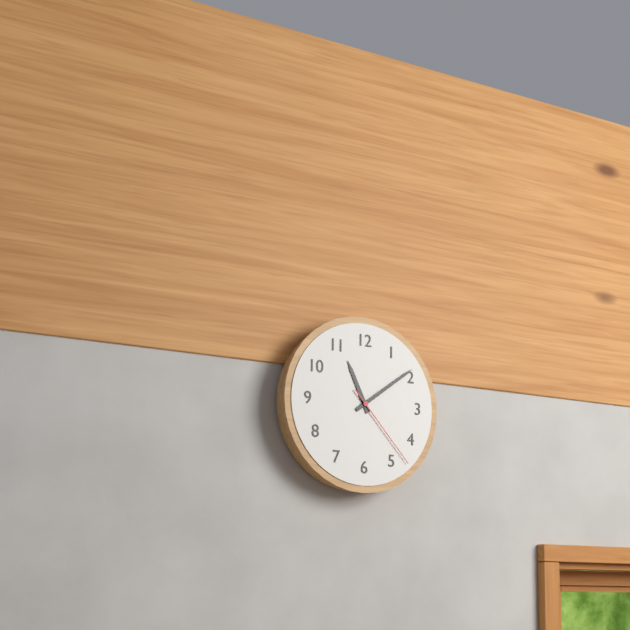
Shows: h=11 m=9 s=23
